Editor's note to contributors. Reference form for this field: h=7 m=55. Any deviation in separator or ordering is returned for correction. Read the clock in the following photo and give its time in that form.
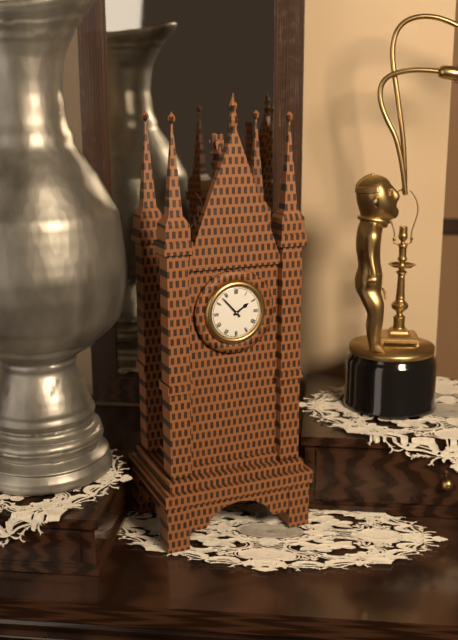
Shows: h=1 m=53
